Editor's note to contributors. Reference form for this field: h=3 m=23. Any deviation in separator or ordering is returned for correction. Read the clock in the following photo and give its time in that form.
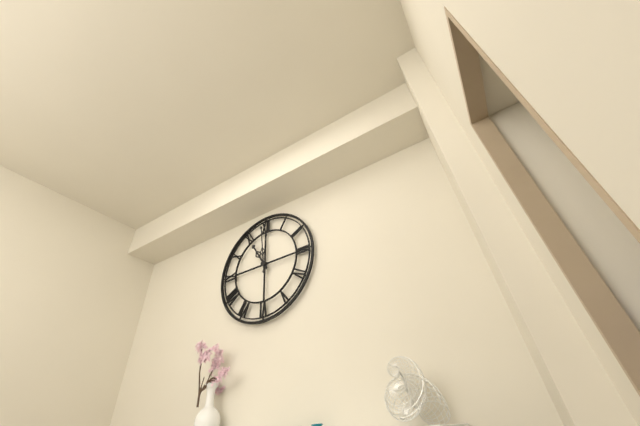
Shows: h=10 m=59
